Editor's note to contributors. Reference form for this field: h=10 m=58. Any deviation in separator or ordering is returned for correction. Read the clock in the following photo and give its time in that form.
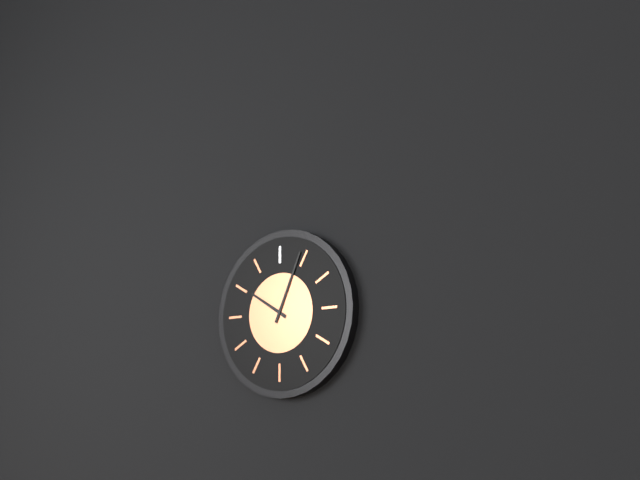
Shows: h=10 m=4
